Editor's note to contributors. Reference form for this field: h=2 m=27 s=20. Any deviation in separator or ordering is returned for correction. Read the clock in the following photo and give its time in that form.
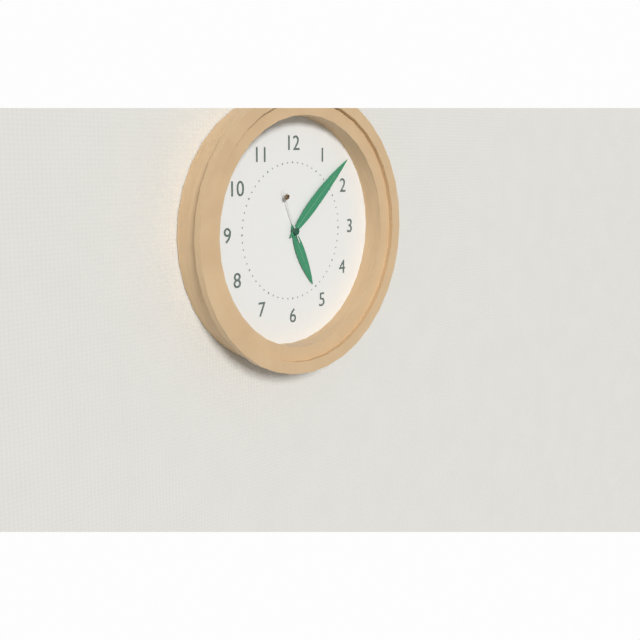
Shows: h=5 m=8 s=56
